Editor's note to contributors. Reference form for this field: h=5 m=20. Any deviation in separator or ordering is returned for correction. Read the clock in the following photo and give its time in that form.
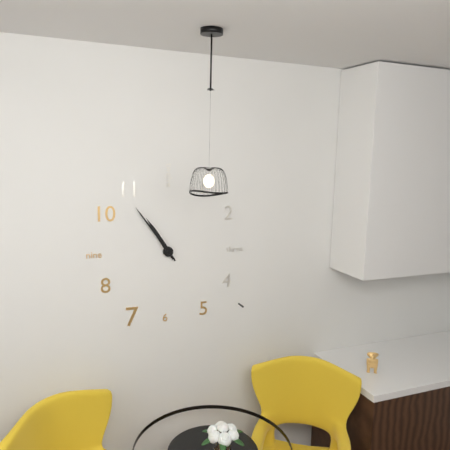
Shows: h=10 m=54
